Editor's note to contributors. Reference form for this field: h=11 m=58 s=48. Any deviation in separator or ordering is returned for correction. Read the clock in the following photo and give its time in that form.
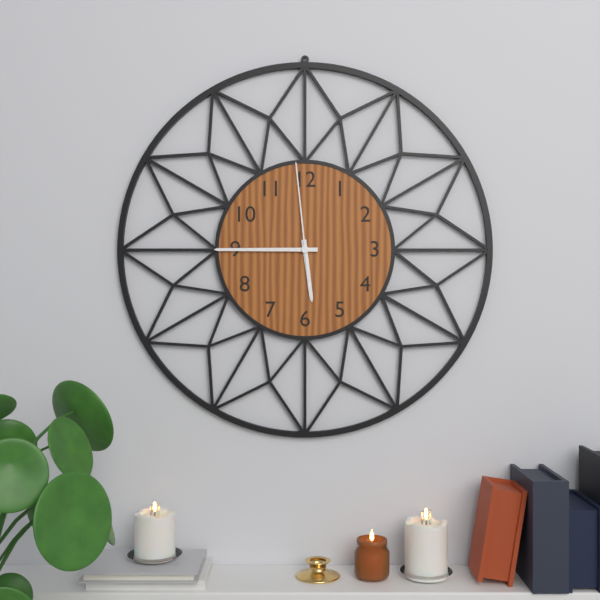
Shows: h=5 m=45 s=59
